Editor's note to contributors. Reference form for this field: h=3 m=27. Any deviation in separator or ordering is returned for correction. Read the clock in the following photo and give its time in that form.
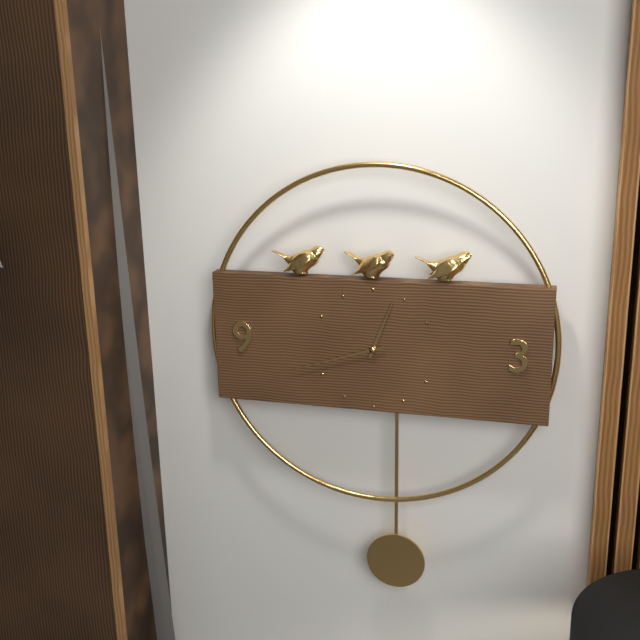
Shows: h=12 m=42
